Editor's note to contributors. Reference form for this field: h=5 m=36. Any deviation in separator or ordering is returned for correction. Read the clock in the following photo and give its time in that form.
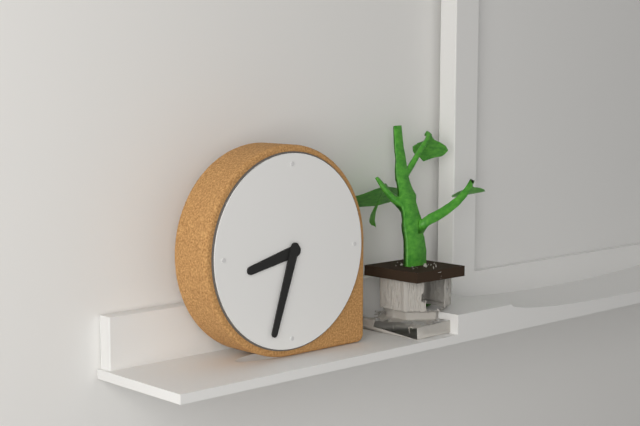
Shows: h=8 m=33
